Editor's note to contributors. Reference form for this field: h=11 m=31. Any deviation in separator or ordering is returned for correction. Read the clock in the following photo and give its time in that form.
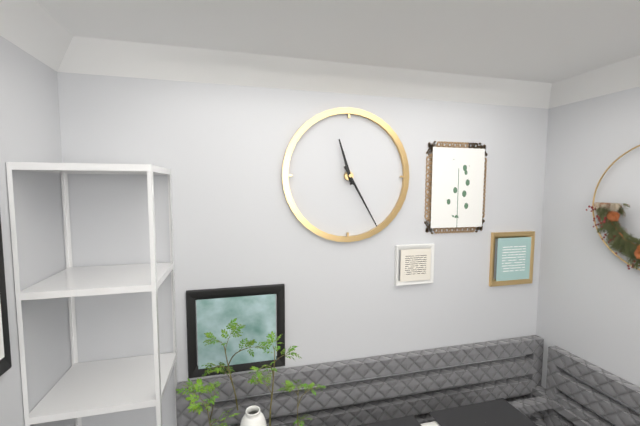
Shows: h=11 m=25
